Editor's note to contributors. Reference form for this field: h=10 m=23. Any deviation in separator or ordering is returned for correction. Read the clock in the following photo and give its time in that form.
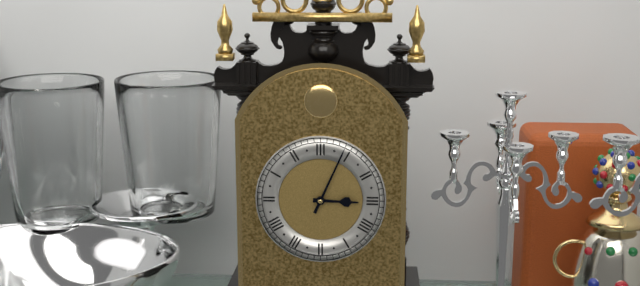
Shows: h=3 m=4
